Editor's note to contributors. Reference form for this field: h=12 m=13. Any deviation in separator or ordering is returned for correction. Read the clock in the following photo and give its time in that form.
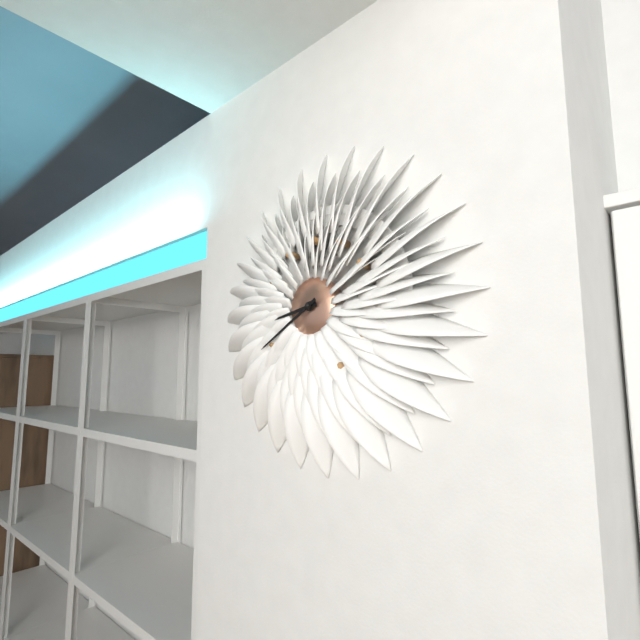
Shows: h=8 m=40
